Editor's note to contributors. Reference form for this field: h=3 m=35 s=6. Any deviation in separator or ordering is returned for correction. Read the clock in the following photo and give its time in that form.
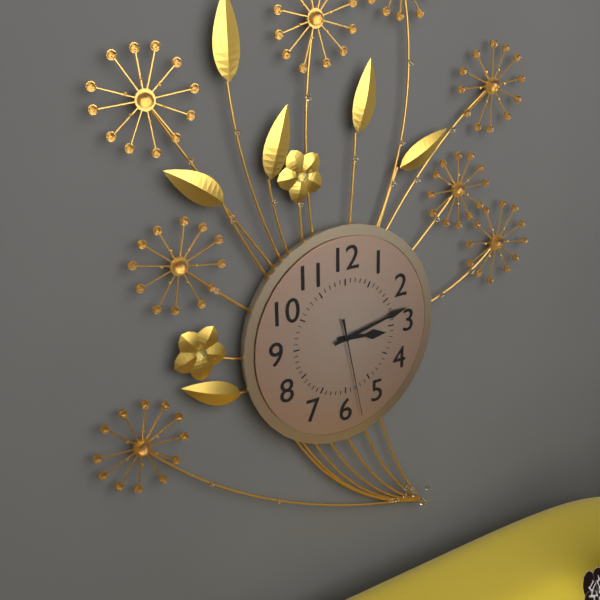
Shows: h=3 m=13 s=28
